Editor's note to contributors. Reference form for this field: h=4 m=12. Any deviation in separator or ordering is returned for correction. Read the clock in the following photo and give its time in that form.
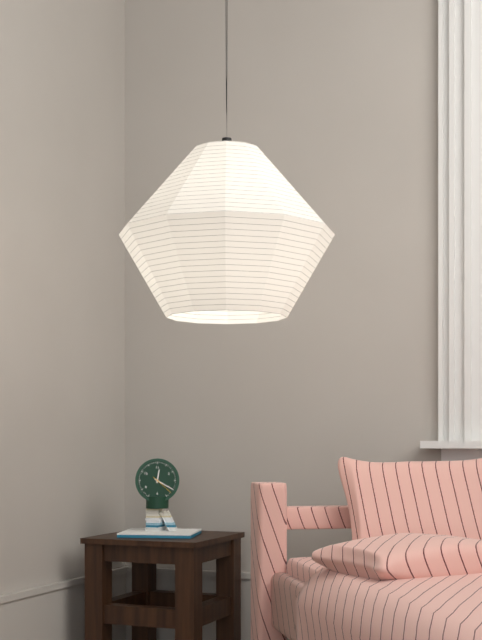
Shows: h=12 m=20
